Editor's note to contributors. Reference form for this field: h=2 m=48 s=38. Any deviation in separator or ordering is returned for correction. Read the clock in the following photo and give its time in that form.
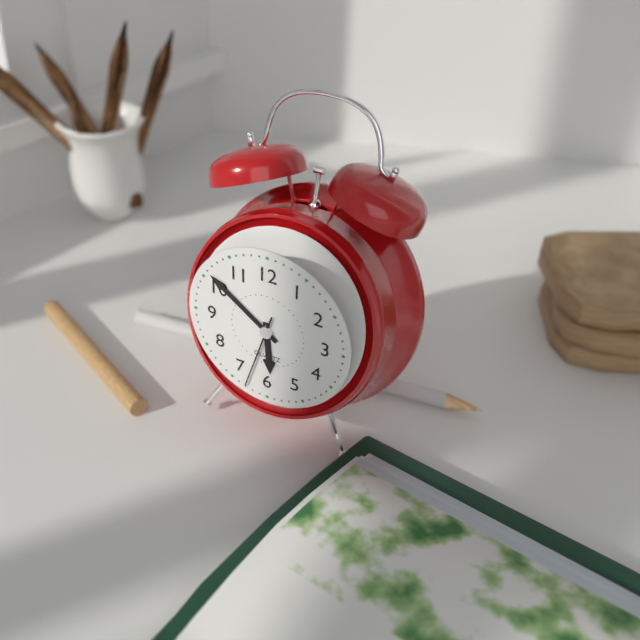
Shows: h=5 m=51 s=33
